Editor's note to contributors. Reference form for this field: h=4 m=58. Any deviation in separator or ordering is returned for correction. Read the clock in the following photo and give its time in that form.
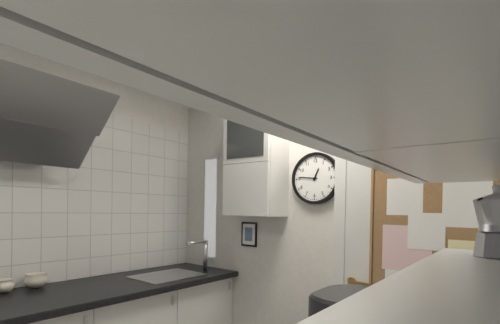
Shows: h=12 m=46
